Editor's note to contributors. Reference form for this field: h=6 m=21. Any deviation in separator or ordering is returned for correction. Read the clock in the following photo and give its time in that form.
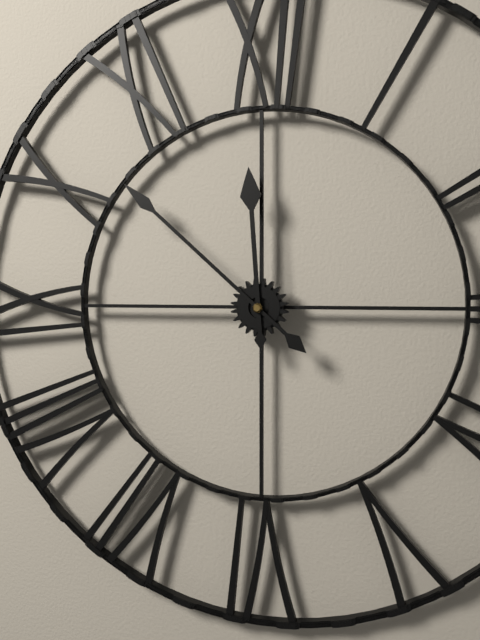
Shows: h=11 m=52
